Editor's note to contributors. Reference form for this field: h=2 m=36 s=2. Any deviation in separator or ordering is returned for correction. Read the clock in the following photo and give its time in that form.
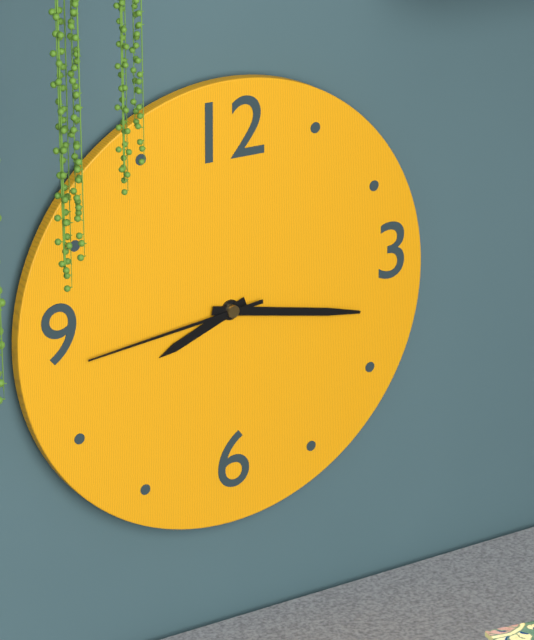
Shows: h=8 m=17 s=44
